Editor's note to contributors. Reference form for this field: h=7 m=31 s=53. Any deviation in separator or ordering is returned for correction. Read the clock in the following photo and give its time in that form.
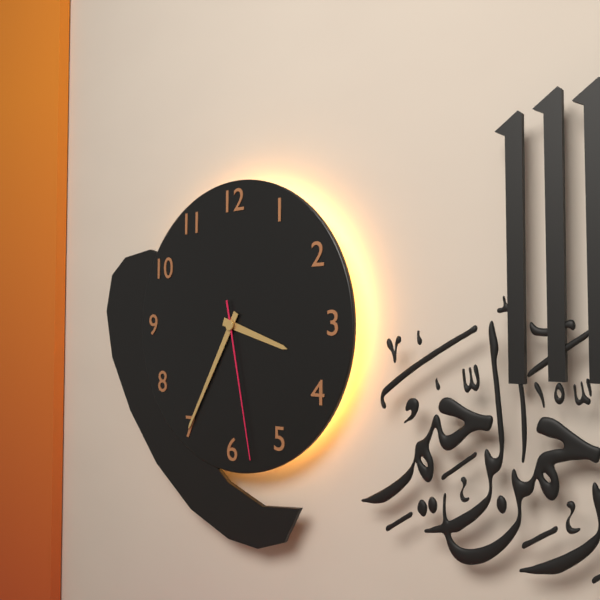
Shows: h=3 m=35 s=28
